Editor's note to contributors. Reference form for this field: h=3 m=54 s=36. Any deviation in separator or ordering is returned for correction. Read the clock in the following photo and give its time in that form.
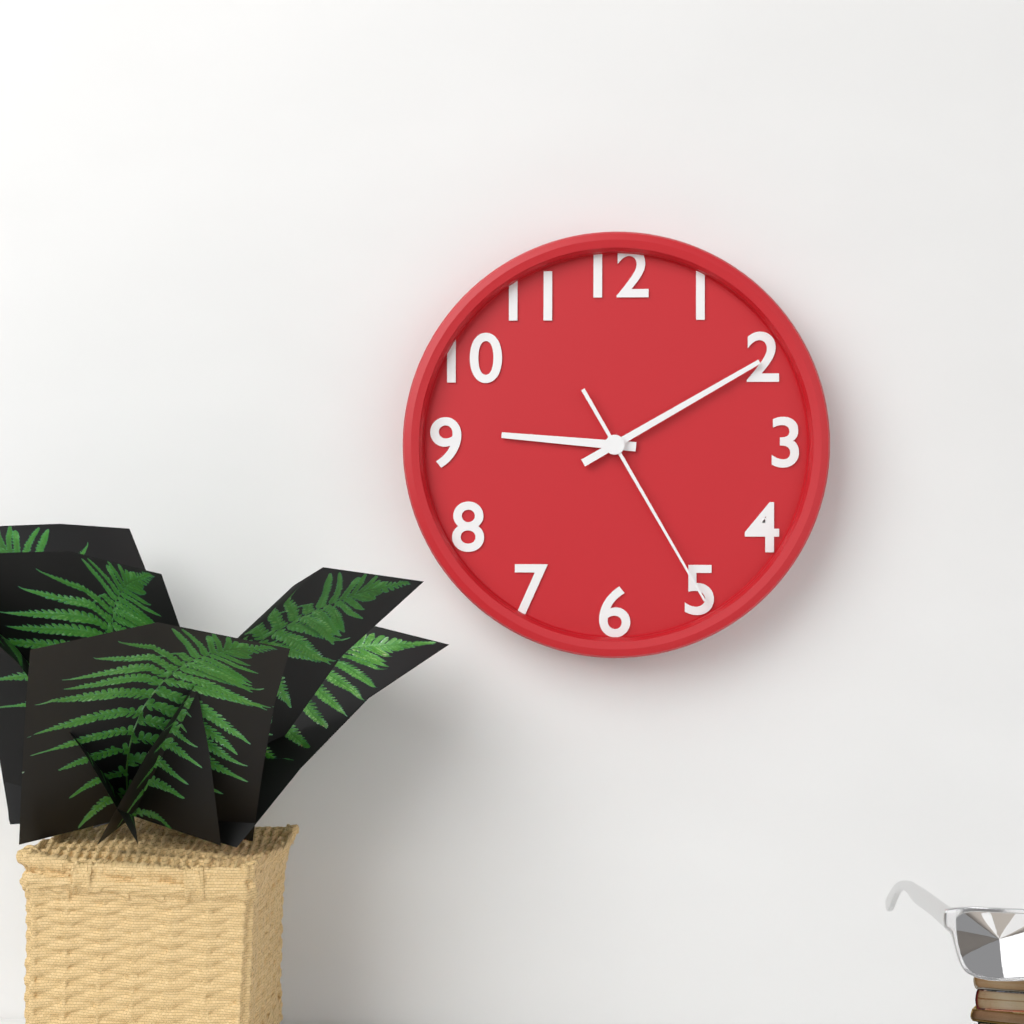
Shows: h=9 m=10 s=25
